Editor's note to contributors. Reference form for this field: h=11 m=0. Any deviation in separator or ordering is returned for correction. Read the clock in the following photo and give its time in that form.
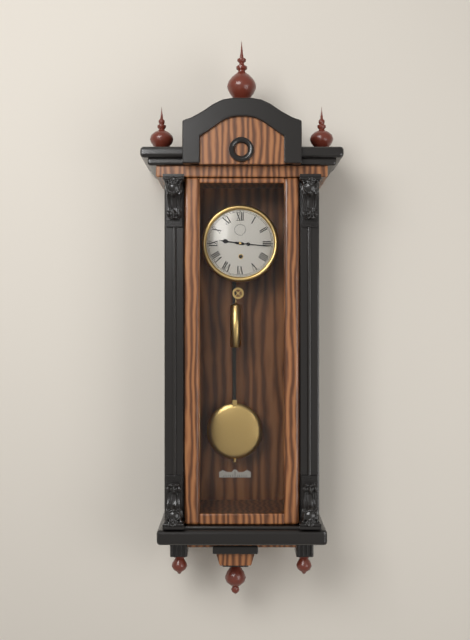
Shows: h=9 m=16
